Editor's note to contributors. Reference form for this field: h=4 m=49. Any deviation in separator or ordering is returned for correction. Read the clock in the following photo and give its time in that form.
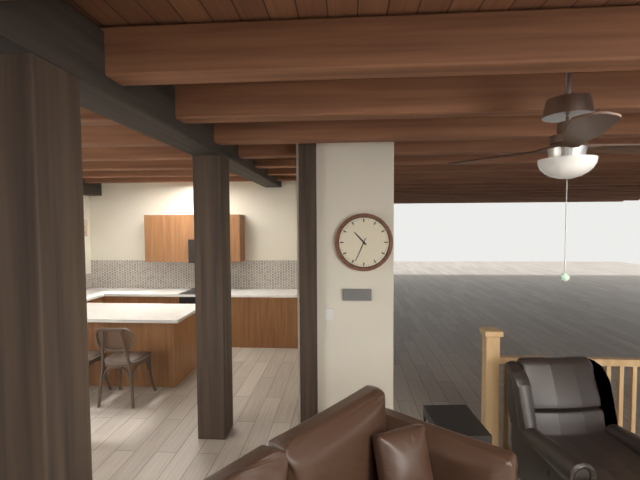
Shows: h=10 m=34
